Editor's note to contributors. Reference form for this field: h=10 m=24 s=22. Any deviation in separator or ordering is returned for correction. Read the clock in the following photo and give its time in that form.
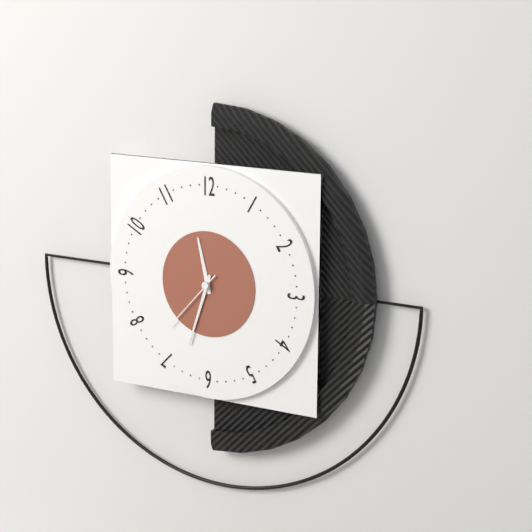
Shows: h=11 m=33 s=37
